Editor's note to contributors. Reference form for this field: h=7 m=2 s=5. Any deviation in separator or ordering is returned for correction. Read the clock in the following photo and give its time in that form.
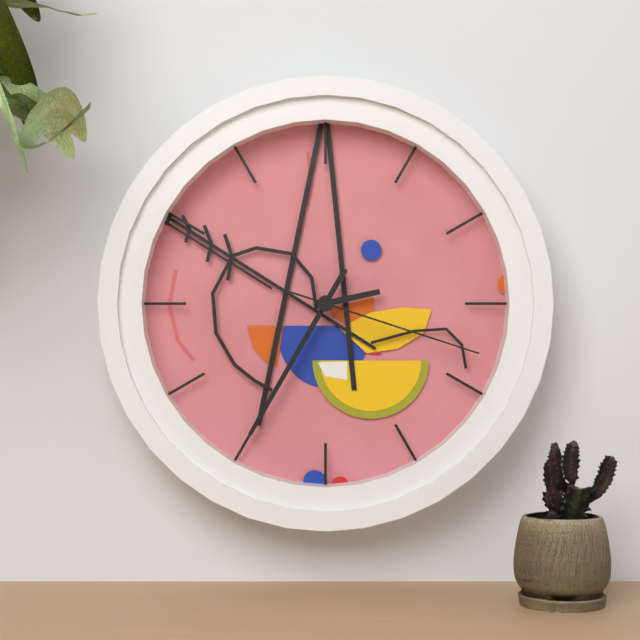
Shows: h=2 m=35 s=18
